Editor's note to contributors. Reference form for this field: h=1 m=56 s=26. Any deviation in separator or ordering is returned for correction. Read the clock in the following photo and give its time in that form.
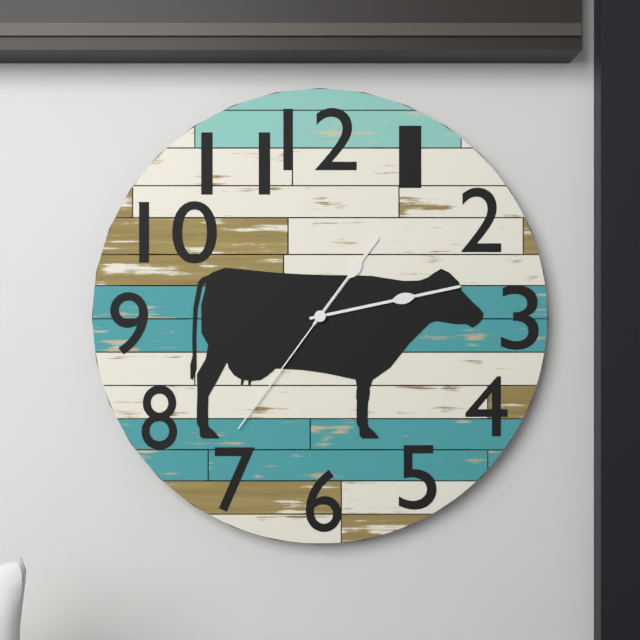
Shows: h=1 m=13 s=36
